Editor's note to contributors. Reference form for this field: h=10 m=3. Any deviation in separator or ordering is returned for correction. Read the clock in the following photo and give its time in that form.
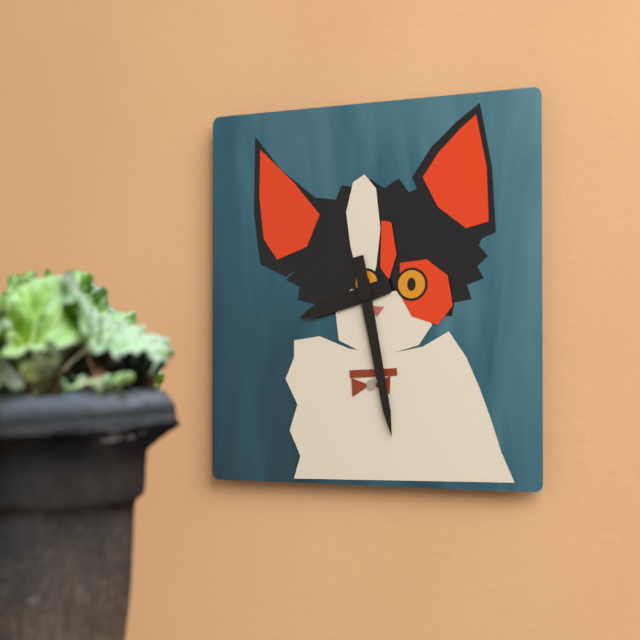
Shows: h=8 m=28
